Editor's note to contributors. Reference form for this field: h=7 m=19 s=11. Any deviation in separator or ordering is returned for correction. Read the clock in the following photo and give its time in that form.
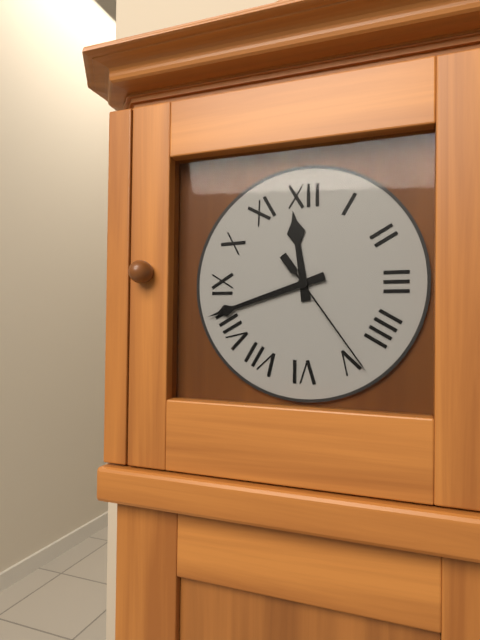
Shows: h=11 m=42 s=24
